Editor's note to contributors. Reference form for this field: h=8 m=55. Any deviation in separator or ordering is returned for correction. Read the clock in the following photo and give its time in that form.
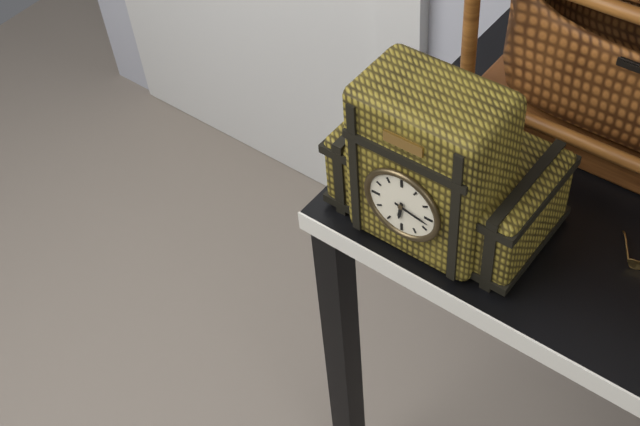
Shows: h=6 m=17
